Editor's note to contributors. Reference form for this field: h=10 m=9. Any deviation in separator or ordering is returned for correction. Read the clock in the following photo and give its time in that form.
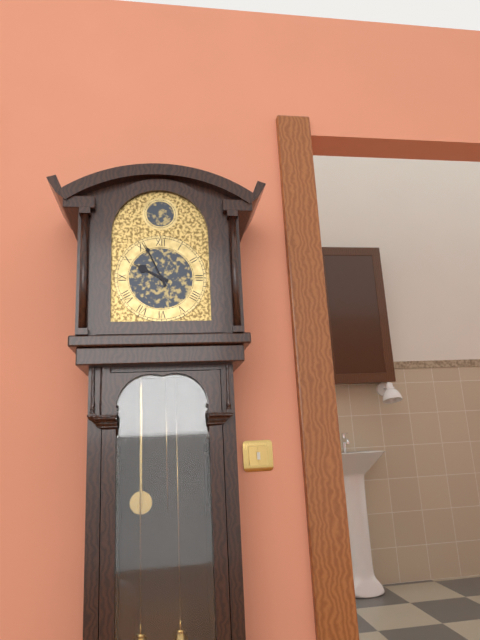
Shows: h=9 m=56
